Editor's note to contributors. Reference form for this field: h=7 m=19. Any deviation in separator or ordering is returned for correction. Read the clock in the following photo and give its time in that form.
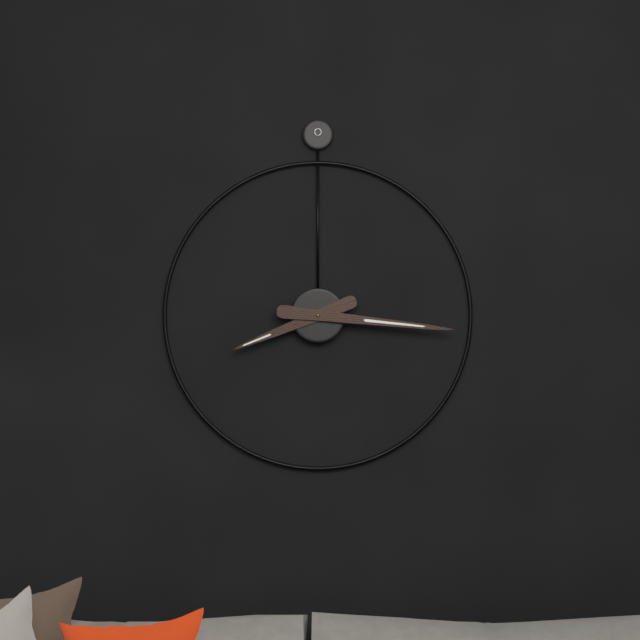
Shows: h=8 m=16
